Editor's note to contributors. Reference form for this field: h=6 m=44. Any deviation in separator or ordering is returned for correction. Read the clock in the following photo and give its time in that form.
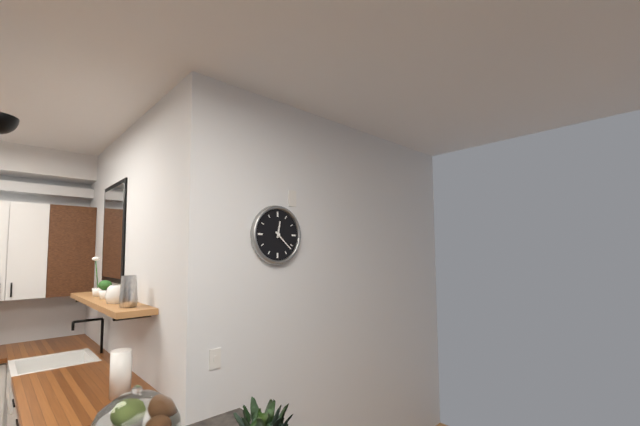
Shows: h=12 m=22
